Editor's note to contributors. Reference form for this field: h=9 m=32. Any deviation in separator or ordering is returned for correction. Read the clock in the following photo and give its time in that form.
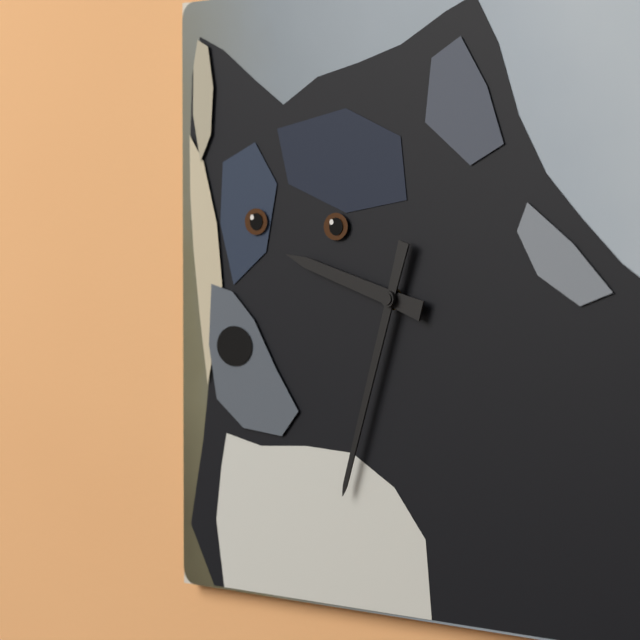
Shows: h=9 m=33
